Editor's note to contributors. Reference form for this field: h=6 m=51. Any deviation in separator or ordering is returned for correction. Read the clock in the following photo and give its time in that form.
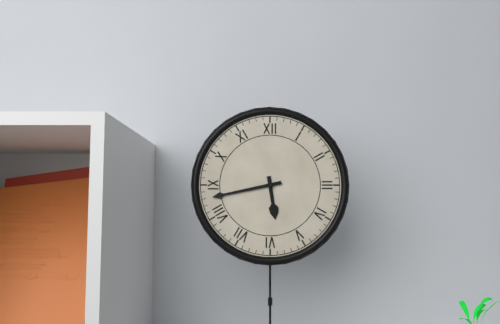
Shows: h=5 m=43
